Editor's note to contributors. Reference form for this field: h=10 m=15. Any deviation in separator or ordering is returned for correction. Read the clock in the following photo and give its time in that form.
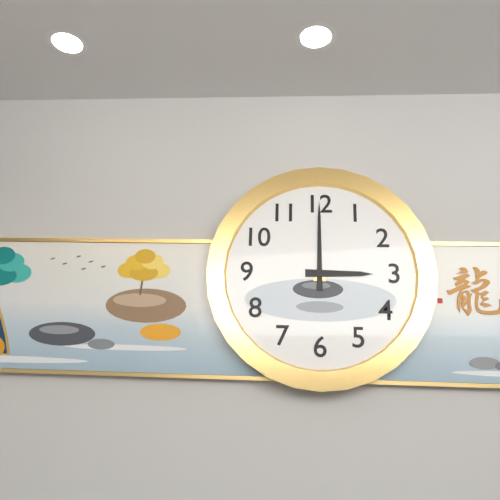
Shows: h=3 m=0
